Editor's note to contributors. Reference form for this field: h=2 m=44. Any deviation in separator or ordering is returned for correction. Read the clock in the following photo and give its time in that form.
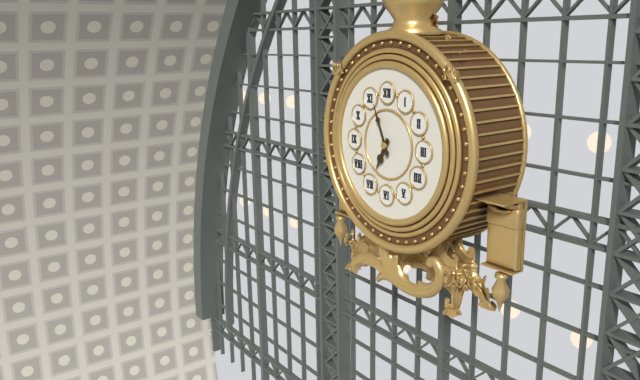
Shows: h=6 m=56
